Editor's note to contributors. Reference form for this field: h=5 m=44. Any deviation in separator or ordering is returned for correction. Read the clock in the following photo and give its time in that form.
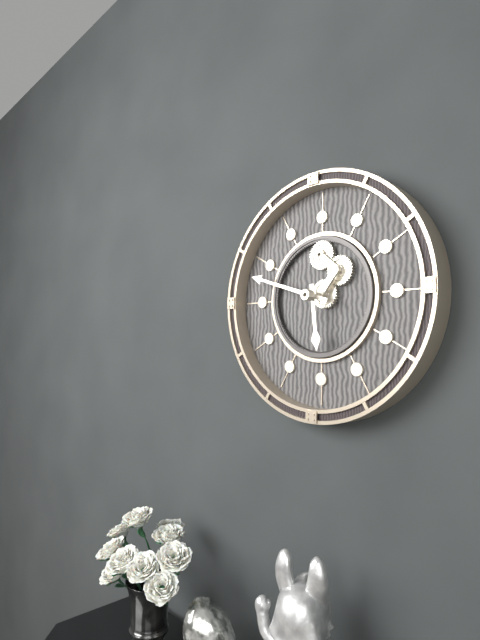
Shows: h=5 m=48
